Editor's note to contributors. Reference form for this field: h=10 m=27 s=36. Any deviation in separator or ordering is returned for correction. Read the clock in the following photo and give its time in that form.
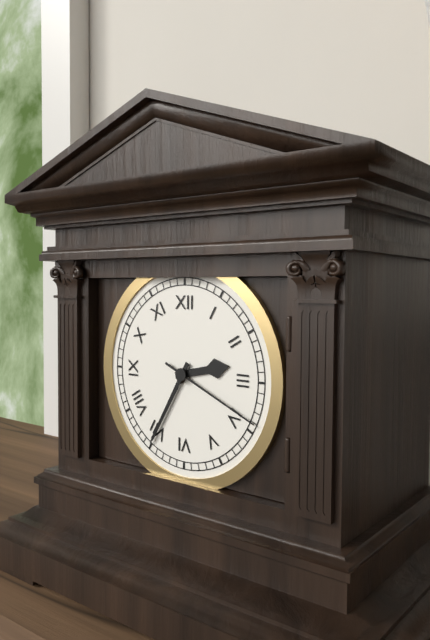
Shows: h=2 m=35 s=19
